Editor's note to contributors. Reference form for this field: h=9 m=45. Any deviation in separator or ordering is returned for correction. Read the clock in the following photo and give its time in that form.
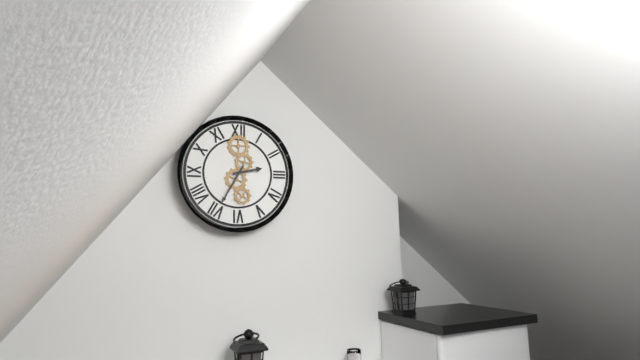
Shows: h=2 m=35
